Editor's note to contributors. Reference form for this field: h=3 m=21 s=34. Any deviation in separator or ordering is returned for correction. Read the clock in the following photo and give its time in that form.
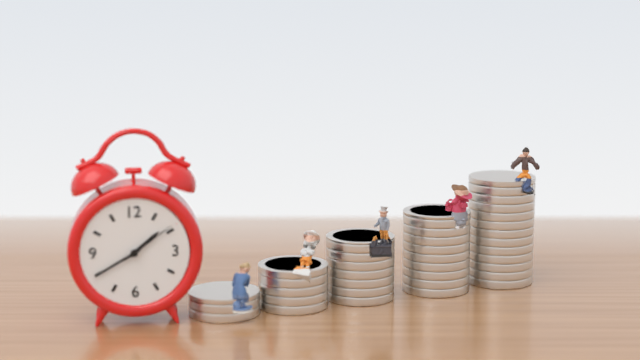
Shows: h=1 m=40 s=9
